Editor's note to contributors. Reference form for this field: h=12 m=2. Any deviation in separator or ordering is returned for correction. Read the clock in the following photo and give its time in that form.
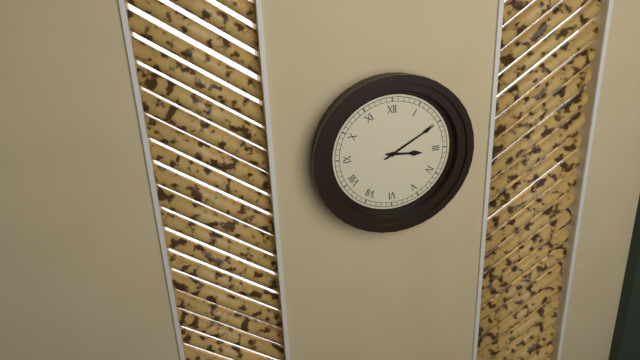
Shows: h=3 m=10
